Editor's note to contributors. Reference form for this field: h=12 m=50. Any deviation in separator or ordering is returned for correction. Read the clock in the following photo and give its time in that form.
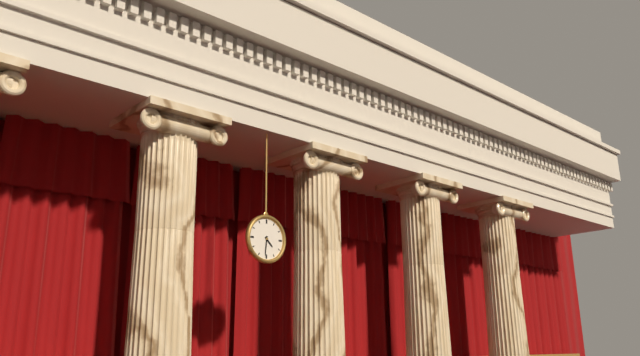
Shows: h=4 m=31
